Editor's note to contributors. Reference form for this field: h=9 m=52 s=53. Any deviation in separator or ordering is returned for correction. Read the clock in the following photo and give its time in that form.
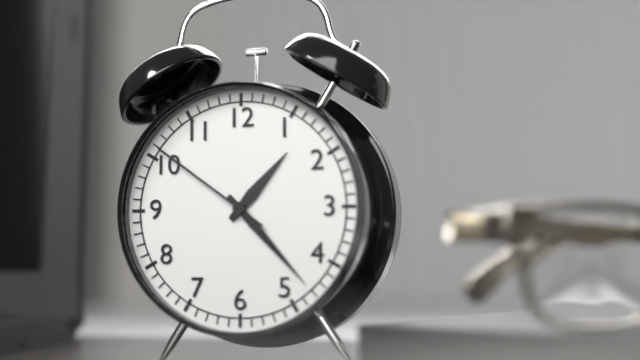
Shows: h=1 m=23 s=51
